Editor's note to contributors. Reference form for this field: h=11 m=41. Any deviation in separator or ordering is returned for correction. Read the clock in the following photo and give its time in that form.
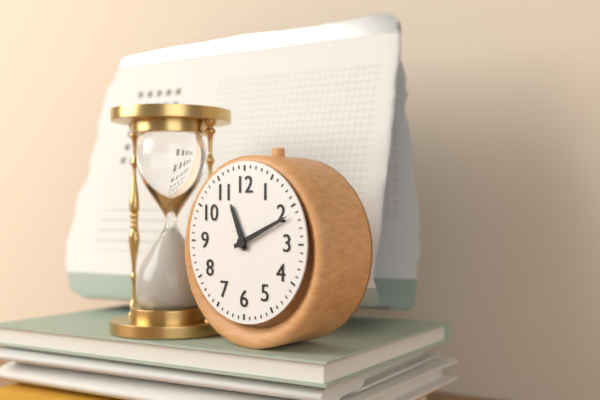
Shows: h=11 m=11
